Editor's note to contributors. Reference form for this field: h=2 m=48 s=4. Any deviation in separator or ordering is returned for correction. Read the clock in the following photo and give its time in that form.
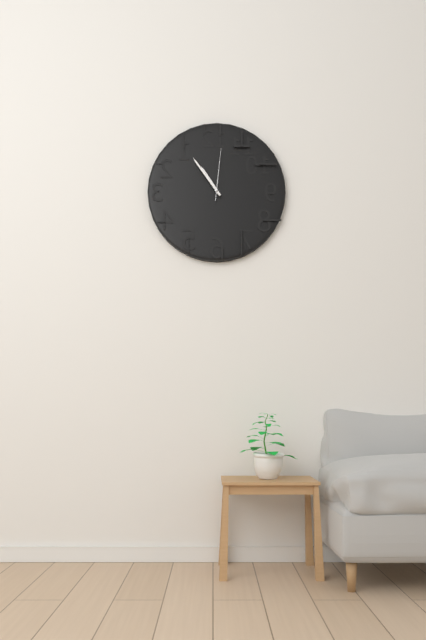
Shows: h=10 m=54 s=1
